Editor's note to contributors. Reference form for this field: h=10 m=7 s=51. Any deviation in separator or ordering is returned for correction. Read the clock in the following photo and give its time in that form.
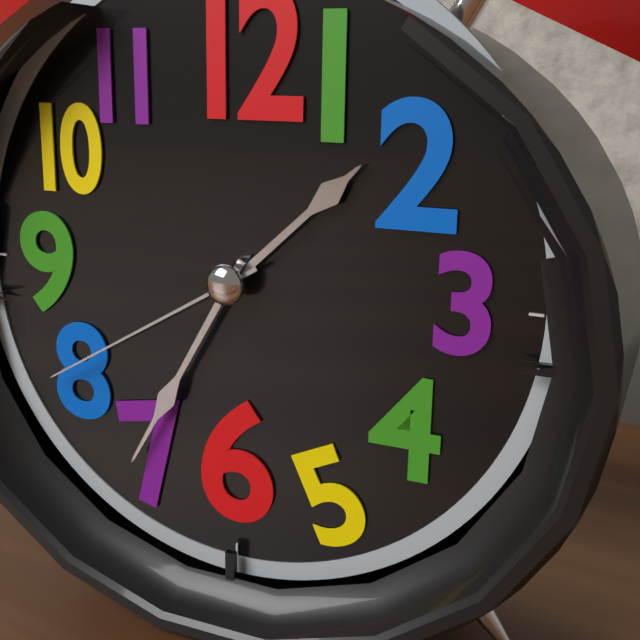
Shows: h=1 m=35 s=40
